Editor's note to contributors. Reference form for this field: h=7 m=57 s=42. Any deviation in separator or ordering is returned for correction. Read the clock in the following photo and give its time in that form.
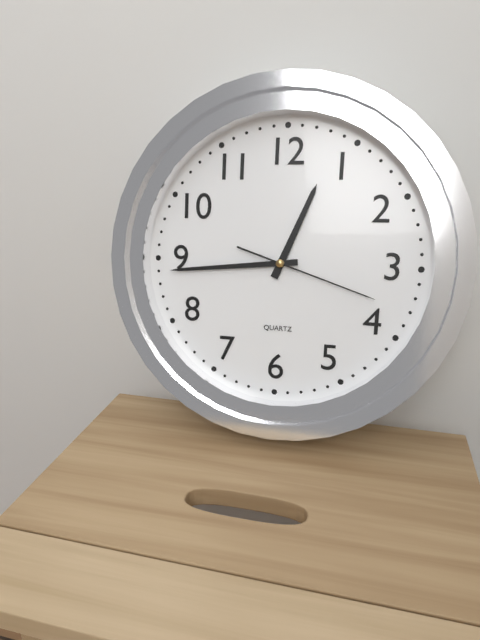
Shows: h=12 m=44 s=18
